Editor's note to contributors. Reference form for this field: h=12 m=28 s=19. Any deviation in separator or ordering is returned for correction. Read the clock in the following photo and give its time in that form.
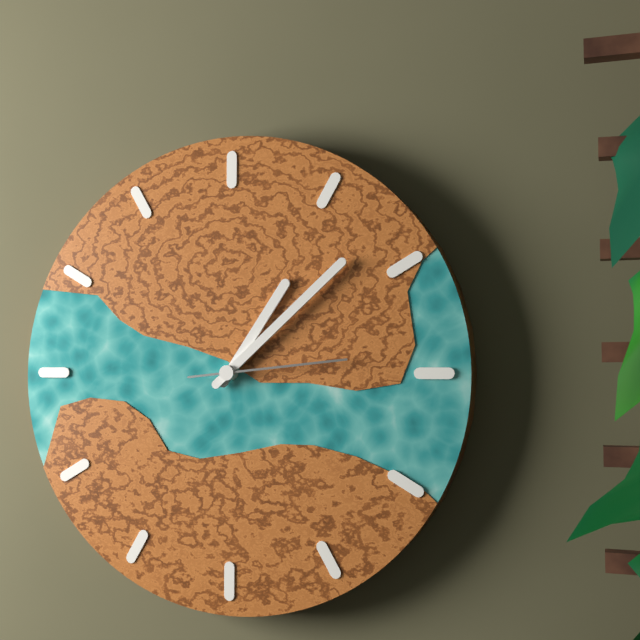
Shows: h=1 m=8 s=14
